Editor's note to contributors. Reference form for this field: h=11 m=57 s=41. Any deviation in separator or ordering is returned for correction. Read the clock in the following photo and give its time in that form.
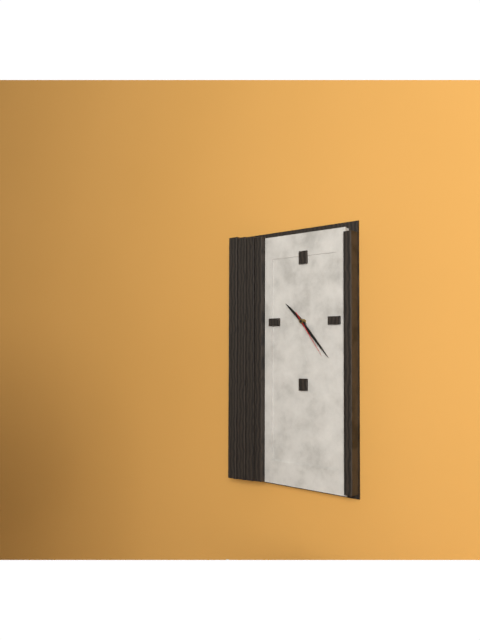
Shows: h=10 m=23 s=24
